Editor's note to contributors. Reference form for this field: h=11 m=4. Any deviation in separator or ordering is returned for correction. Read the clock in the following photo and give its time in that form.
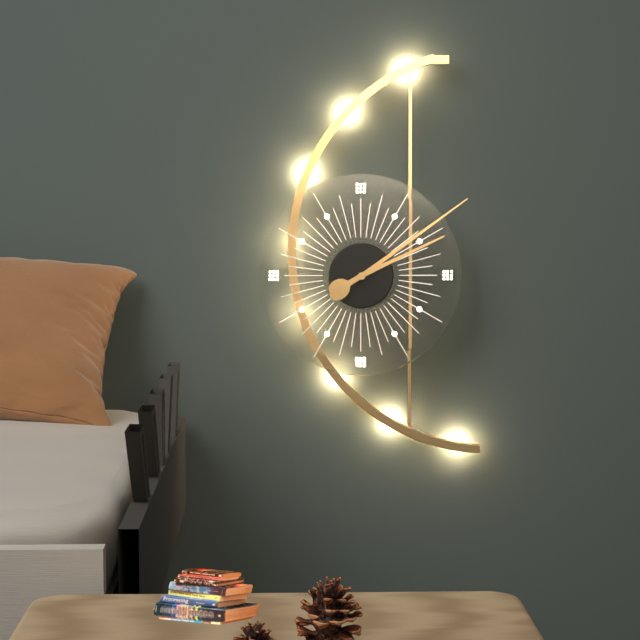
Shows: h=2 m=9
